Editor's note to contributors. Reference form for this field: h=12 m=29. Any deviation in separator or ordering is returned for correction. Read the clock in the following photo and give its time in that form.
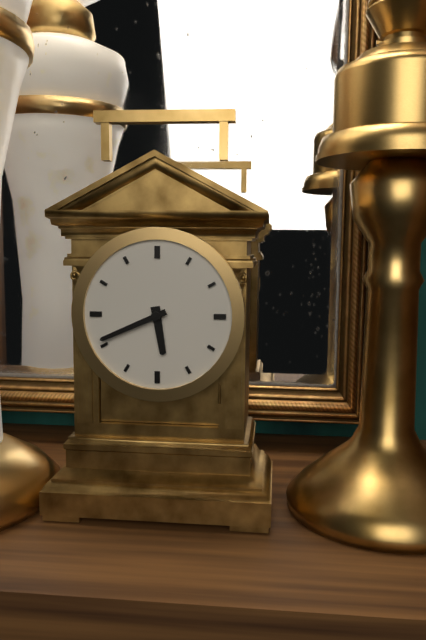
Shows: h=5 m=41
